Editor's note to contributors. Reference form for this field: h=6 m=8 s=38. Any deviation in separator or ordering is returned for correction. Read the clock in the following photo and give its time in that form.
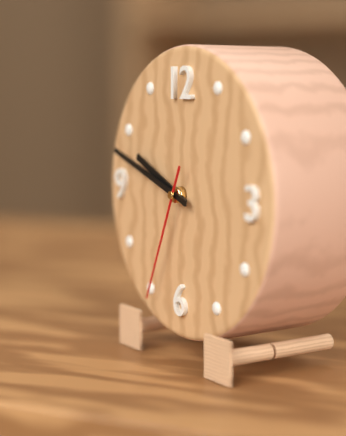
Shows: h=9 m=48 s=34
